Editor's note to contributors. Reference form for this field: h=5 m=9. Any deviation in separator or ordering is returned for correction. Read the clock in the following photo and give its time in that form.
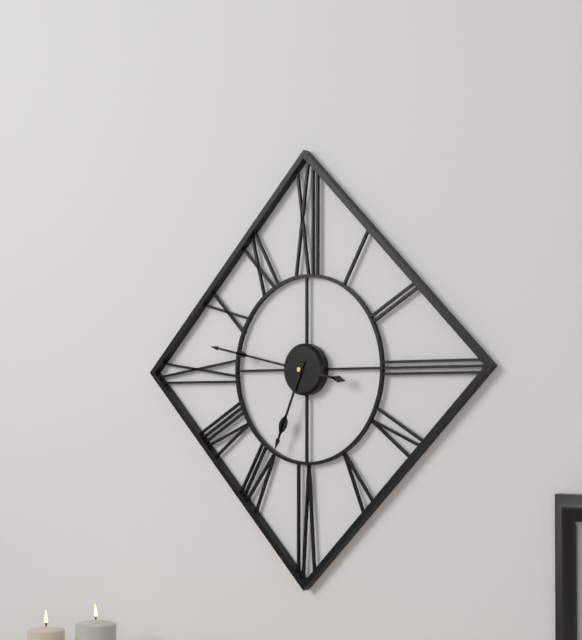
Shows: h=6 m=47
